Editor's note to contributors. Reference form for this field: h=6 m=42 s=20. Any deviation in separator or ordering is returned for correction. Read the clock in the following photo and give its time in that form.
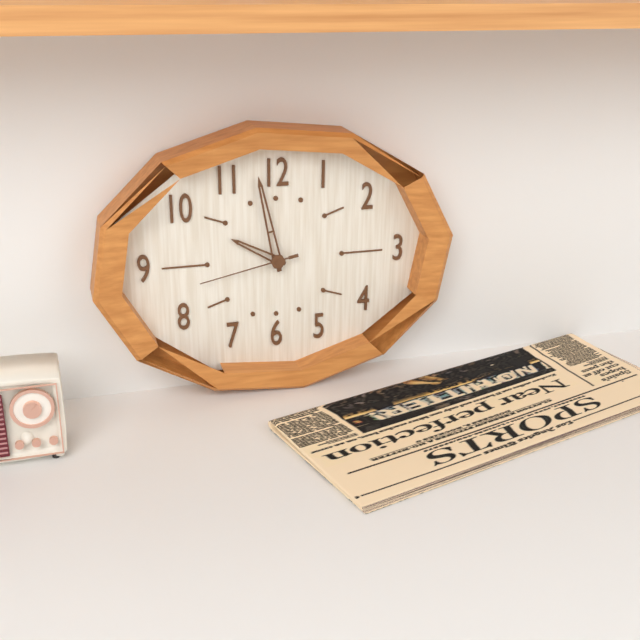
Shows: h=9 m=58 s=43
